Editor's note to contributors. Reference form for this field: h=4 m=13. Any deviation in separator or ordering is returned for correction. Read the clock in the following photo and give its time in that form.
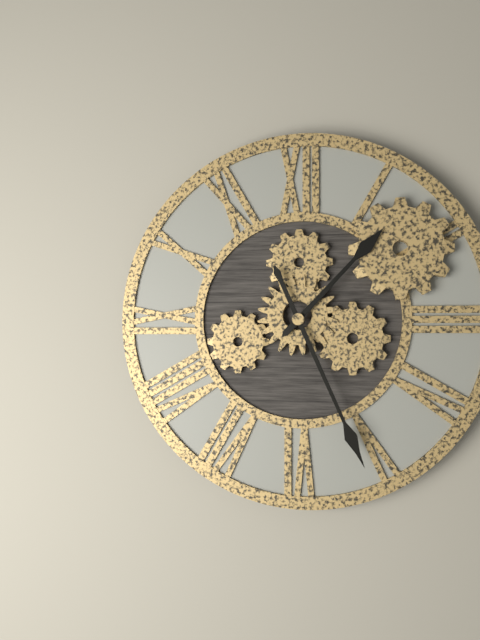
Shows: h=1 m=26
